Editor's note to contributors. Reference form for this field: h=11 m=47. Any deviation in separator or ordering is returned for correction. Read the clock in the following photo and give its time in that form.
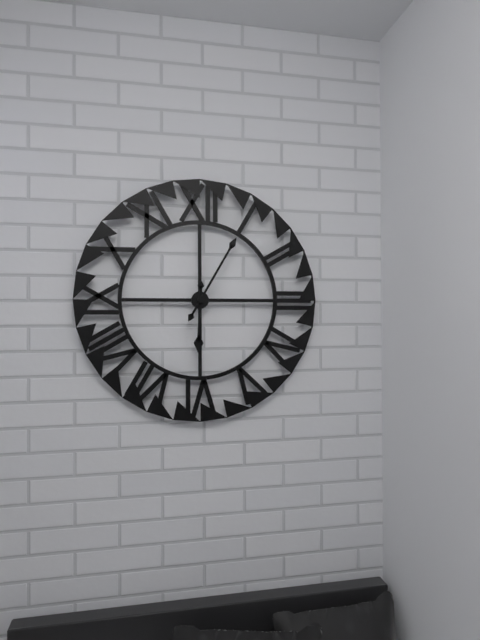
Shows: h=6 m=5
